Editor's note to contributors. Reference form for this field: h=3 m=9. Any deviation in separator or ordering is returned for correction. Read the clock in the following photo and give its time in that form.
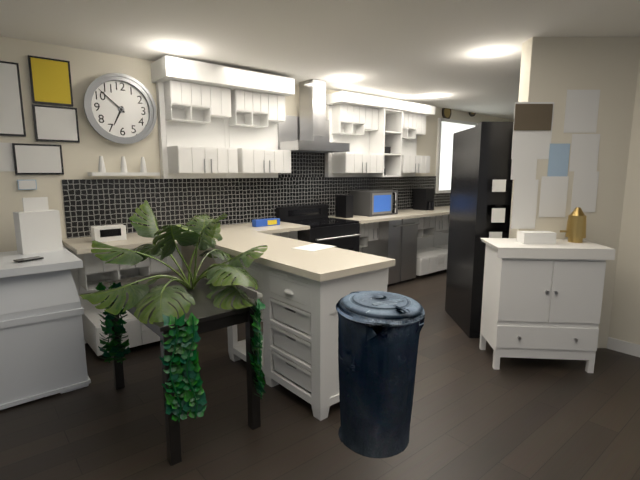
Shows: h=6 m=52
